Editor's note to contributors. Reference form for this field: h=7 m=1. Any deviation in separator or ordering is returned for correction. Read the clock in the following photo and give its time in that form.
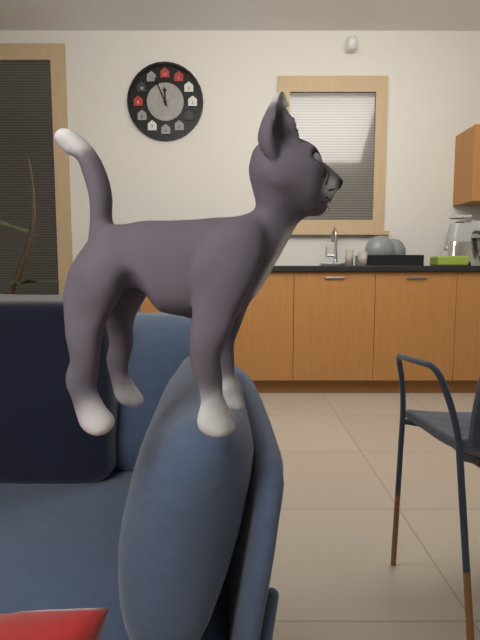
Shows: h=11 m=56
